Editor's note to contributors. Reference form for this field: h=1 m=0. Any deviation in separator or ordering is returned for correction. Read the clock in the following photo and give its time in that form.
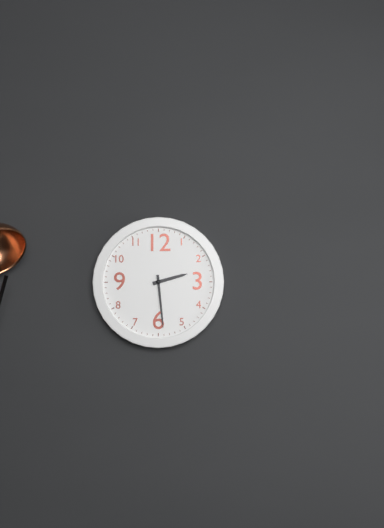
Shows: h=2 m=29
